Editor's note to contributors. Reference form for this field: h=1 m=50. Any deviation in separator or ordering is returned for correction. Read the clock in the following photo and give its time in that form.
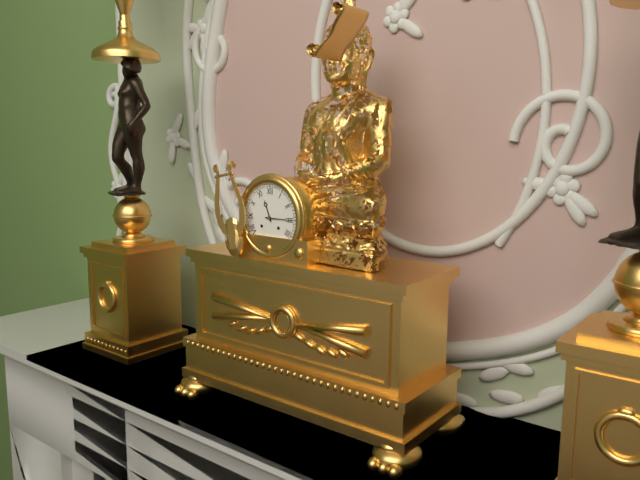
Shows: h=11 m=15
